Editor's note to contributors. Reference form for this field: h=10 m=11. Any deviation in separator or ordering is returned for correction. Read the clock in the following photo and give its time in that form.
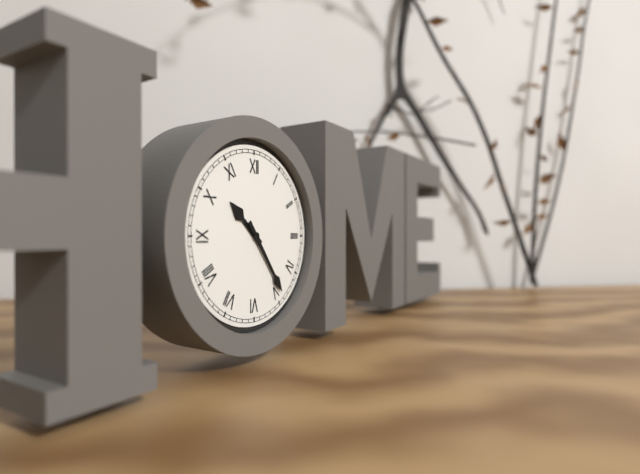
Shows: h=10 m=24
